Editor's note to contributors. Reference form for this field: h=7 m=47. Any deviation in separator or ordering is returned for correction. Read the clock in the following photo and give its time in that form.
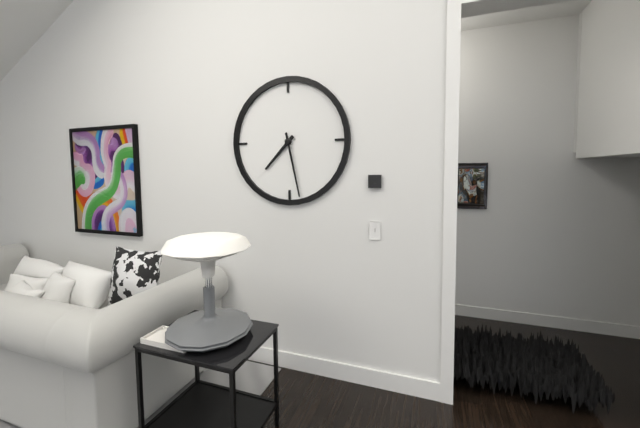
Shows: h=7 m=28
